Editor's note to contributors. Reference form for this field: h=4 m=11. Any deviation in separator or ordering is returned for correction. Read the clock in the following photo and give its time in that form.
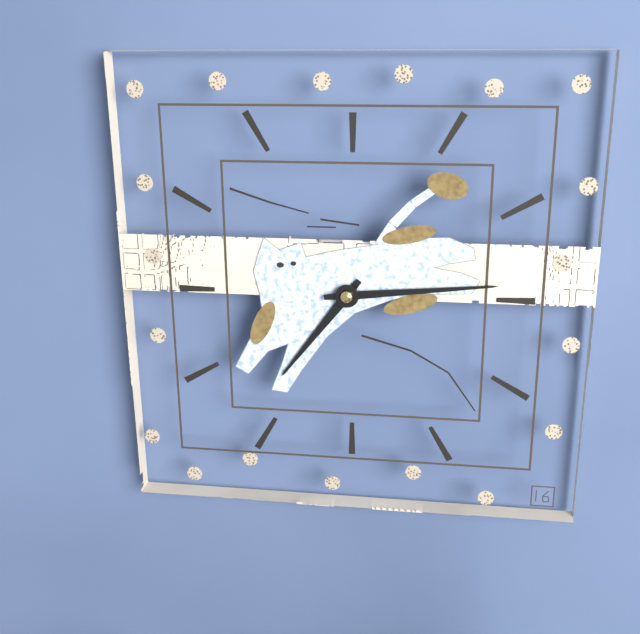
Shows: h=7 m=14
